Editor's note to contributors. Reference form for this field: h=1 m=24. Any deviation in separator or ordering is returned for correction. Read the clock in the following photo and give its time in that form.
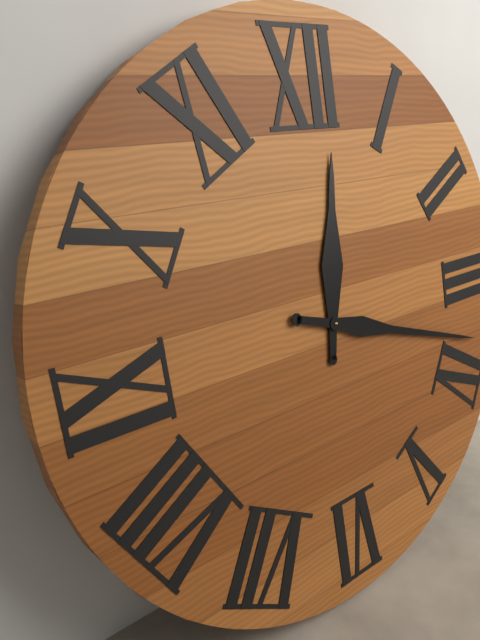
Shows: h=12 m=18
